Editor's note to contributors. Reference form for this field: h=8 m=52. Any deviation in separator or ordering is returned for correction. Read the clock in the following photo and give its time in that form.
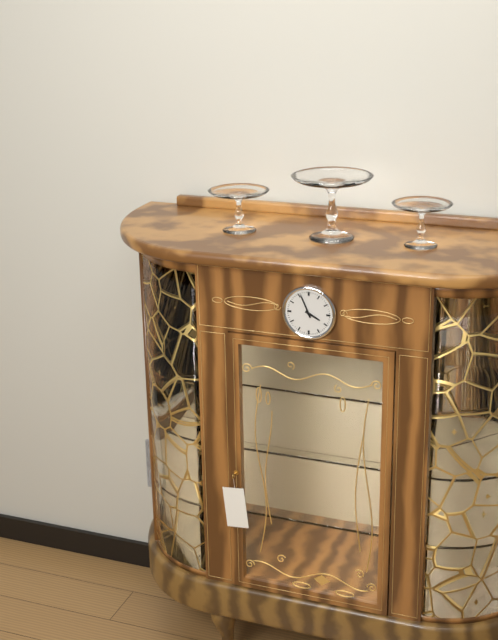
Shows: h=3 m=56
